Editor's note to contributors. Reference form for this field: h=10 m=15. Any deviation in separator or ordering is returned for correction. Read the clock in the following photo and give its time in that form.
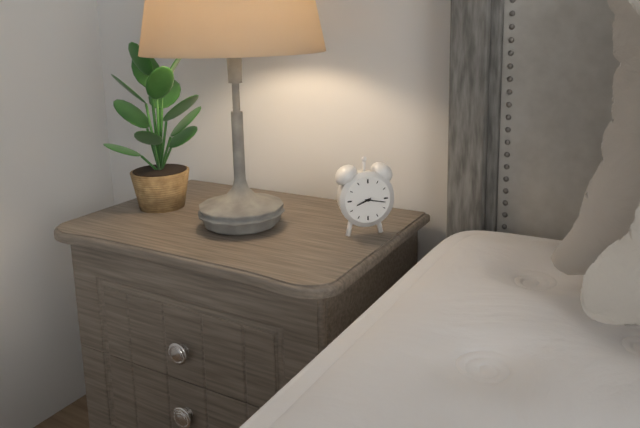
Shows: h=8 m=17
